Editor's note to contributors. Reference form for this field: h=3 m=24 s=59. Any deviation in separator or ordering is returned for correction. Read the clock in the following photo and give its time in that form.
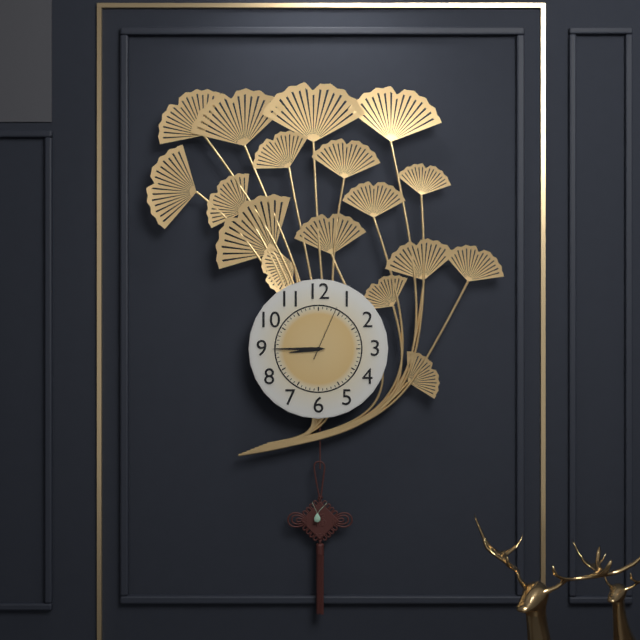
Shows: h=8 m=45 s=4
